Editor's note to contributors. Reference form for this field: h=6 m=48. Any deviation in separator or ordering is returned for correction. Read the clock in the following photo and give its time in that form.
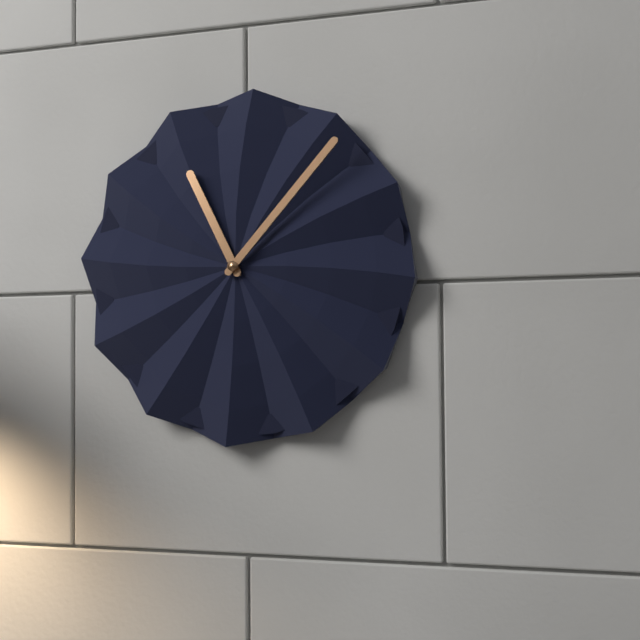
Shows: h=11 m=7
